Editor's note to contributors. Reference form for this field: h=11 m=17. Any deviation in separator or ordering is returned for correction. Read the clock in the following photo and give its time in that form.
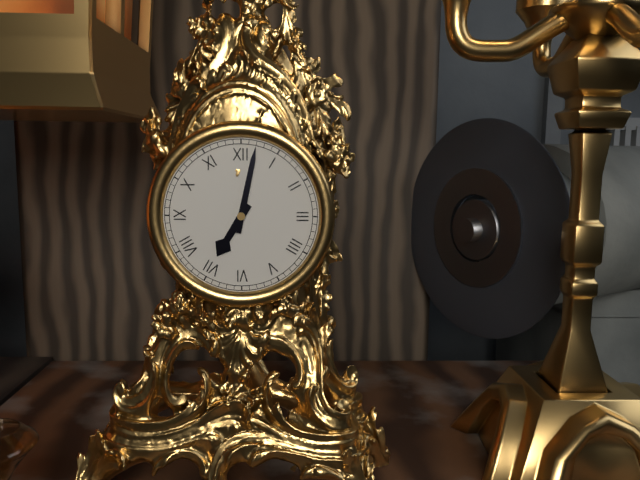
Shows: h=7 m=2
